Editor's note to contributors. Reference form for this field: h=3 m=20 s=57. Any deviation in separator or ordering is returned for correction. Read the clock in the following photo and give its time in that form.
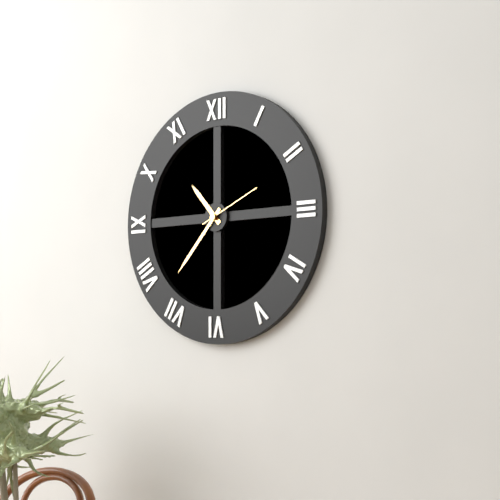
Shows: h=10 m=37 s=11
